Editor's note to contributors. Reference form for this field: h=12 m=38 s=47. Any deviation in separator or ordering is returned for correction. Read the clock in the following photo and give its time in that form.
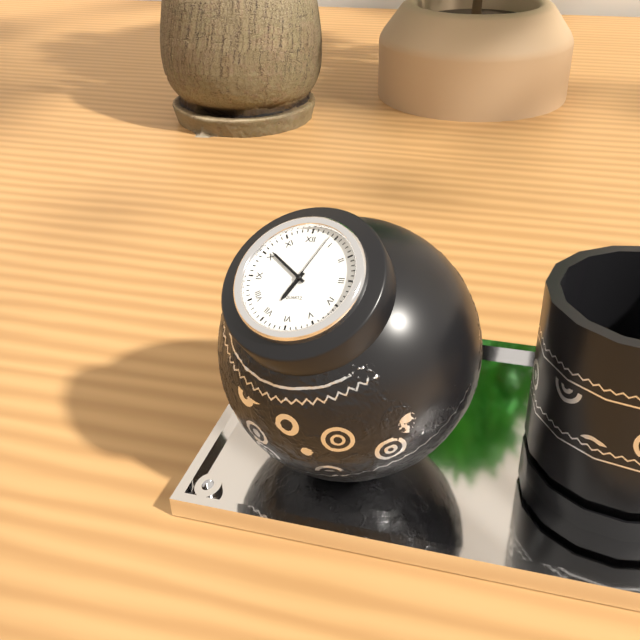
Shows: h=6 m=51 s=4
